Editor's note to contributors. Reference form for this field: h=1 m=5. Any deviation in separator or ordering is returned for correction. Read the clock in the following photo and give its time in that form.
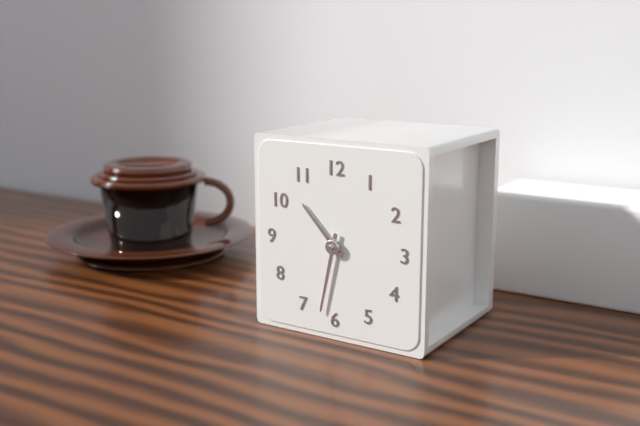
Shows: h=10 m=32
